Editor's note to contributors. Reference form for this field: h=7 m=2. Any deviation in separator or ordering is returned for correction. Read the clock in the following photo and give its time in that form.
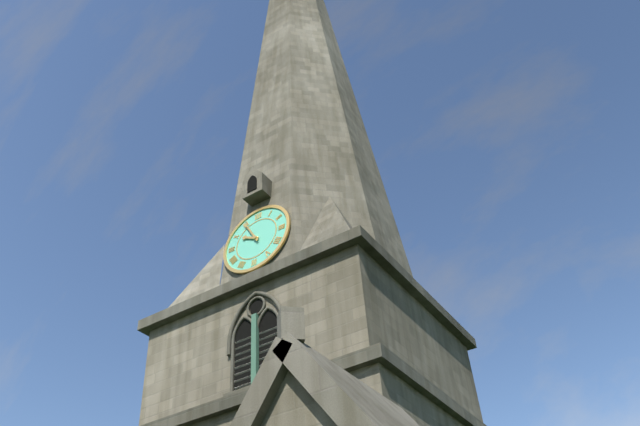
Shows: h=9 m=55
